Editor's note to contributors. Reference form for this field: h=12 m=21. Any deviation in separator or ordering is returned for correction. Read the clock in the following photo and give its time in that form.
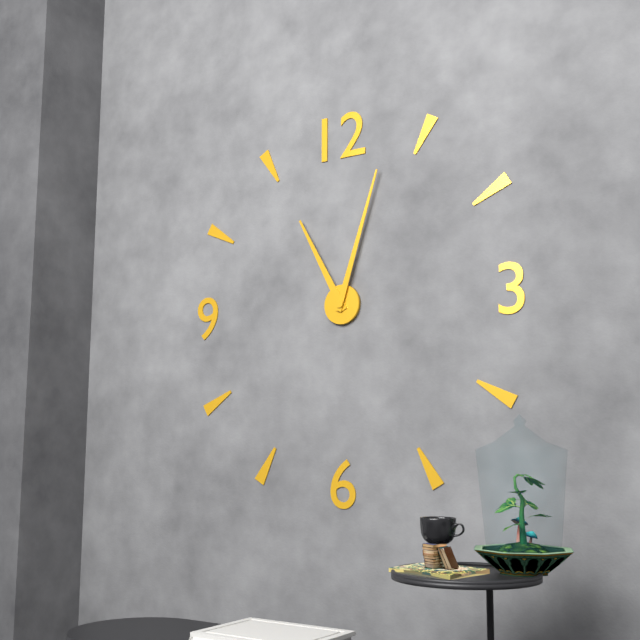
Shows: h=11 m=3
